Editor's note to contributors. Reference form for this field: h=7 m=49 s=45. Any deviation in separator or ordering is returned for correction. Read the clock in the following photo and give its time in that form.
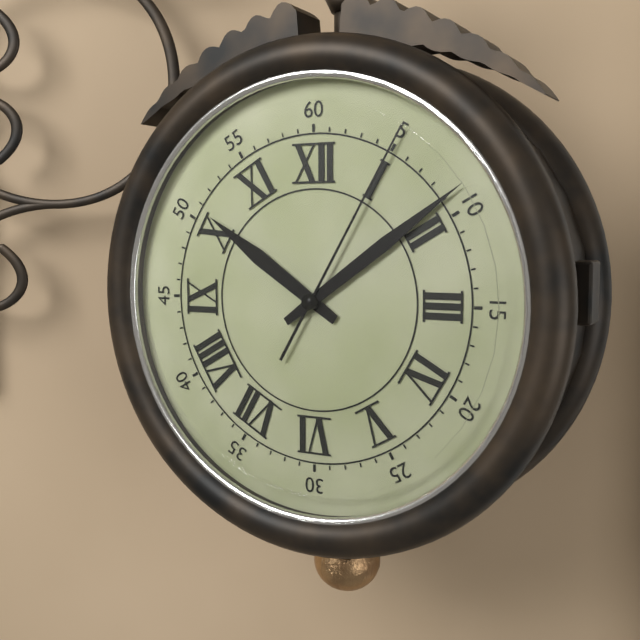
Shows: h=10 m=9 s=5
